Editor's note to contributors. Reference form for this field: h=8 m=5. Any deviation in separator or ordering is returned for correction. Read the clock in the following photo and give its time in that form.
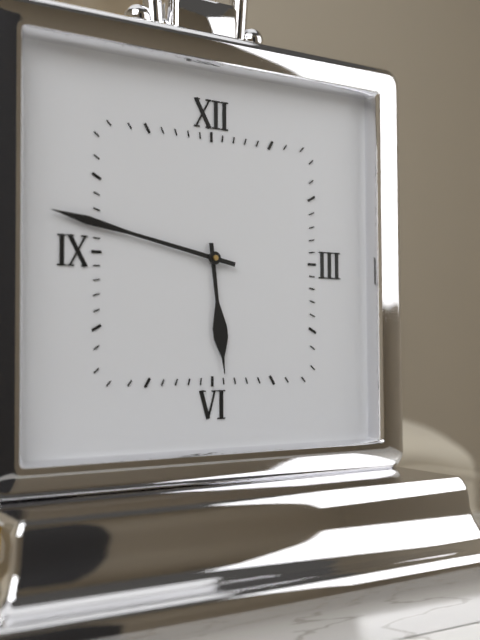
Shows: h=5 m=47
